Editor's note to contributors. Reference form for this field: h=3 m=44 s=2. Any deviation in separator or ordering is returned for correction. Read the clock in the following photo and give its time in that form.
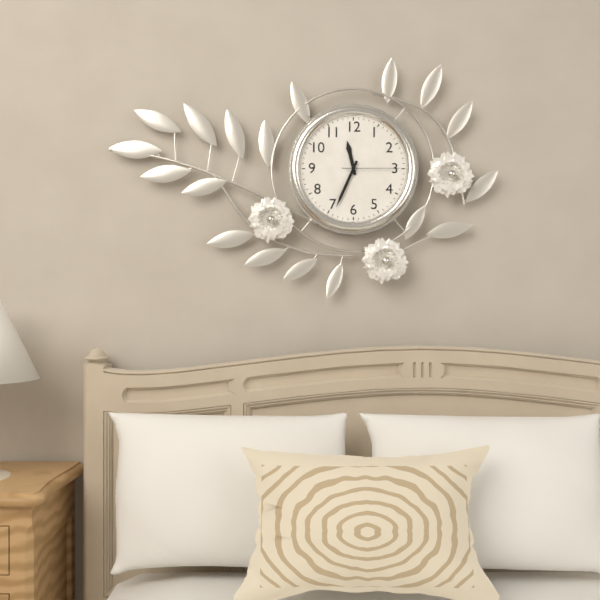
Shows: h=11 m=34 s=15
